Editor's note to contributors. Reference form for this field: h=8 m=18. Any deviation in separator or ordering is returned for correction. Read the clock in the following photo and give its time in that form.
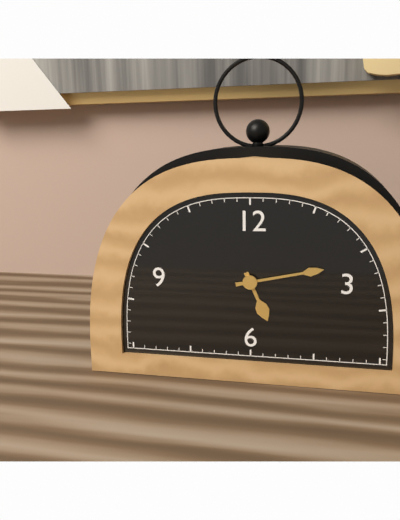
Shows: h=5 m=13
